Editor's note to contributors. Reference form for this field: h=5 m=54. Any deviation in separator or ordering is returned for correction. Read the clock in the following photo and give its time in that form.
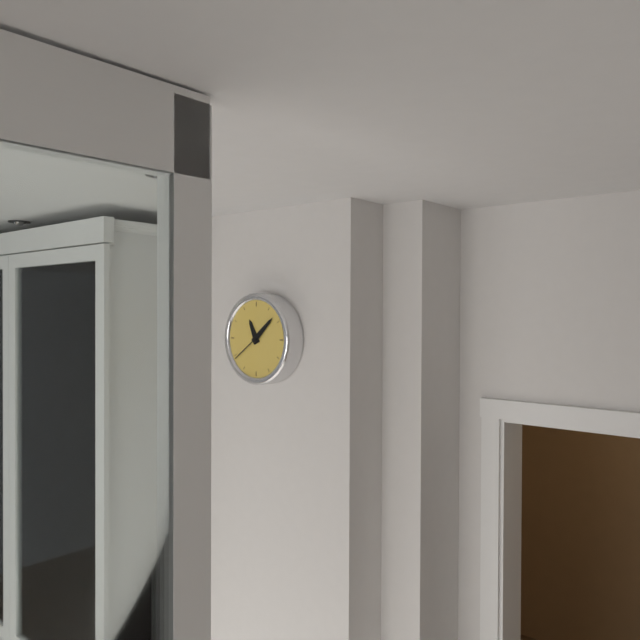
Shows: h=11 m=8
